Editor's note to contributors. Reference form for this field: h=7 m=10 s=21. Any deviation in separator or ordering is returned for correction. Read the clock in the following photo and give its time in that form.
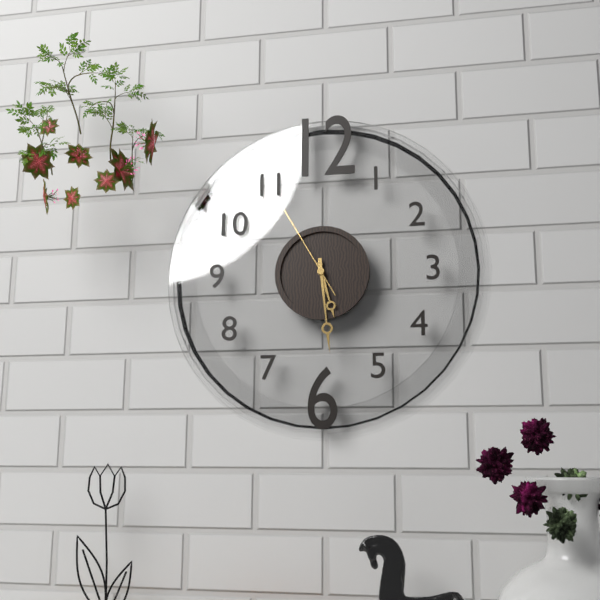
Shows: h=5 m=29 s=55
